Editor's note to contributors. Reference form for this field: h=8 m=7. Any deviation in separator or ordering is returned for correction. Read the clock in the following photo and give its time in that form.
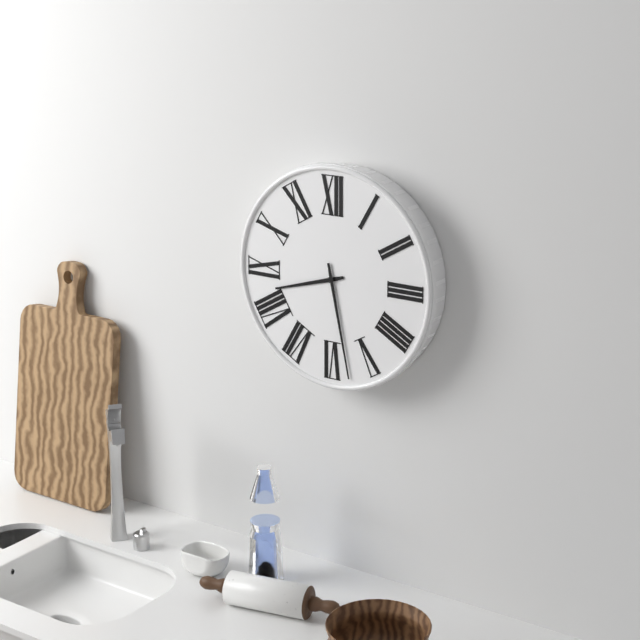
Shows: h=8 m=28
